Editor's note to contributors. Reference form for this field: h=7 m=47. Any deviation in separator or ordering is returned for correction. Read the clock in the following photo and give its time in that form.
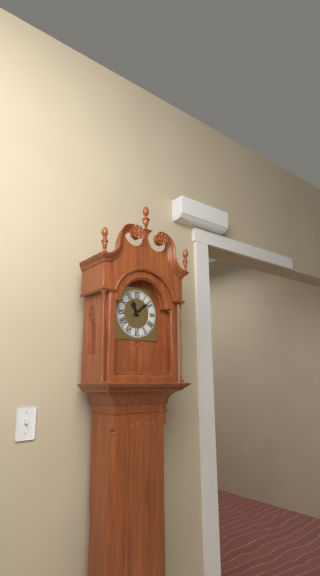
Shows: h=11 m=8
